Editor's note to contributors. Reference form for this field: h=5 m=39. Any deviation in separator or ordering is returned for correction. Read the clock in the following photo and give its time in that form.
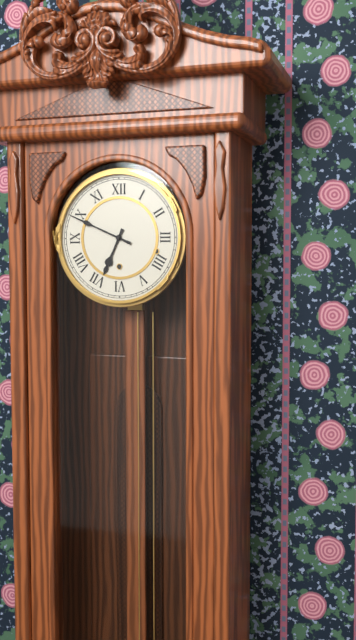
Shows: h=6 m=49
